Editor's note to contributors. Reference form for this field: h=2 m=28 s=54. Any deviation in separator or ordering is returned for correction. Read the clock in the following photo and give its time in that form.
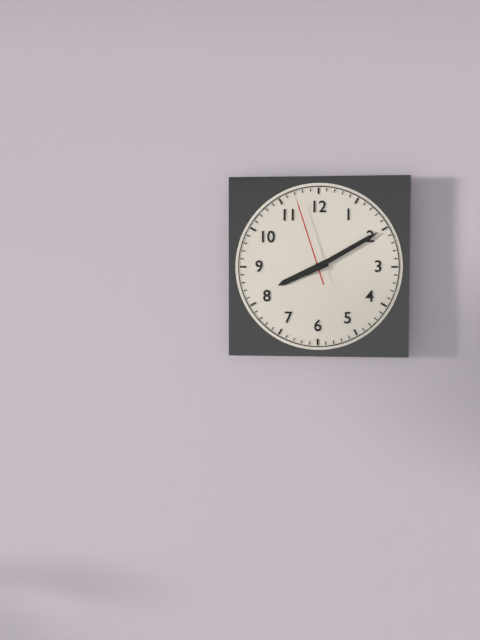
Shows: h=8 m=10 s=57
